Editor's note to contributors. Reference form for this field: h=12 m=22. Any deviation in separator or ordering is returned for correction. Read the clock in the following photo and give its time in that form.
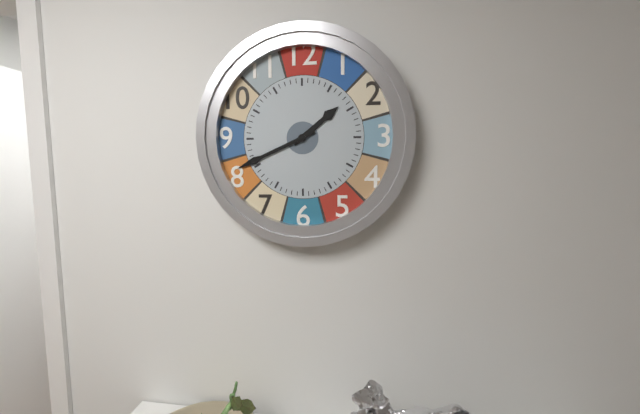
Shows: h=1 m=41
